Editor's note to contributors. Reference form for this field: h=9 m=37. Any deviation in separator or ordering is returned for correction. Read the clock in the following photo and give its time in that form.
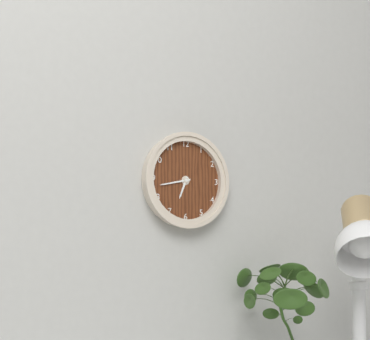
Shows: h=6 m=43
